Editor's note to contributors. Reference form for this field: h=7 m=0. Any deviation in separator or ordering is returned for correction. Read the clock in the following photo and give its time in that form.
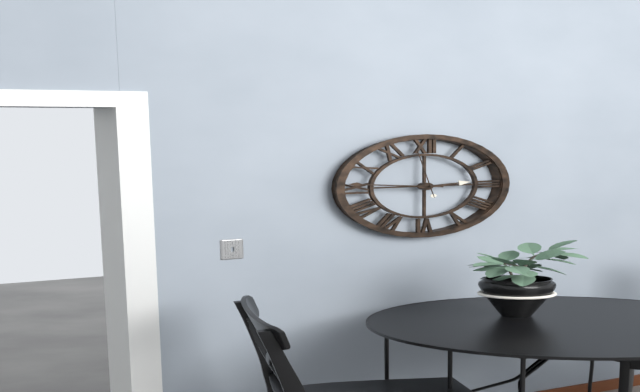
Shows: h=2 m=46
